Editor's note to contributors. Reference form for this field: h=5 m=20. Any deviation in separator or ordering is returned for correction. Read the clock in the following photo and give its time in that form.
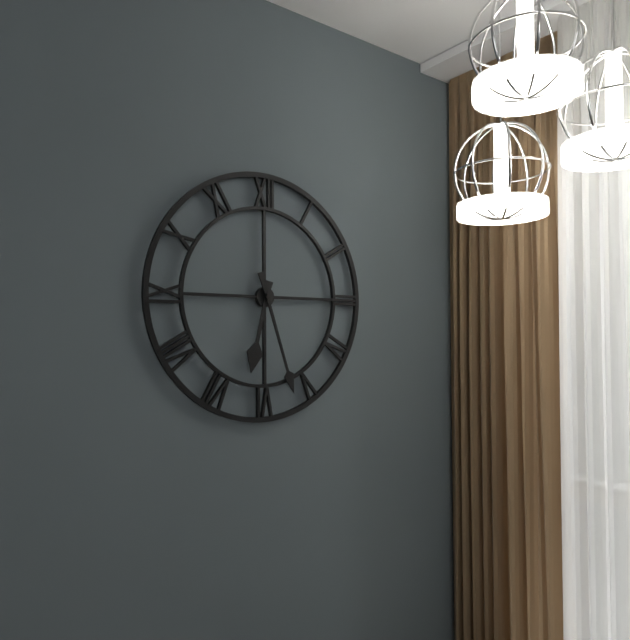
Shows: h=6 m=27
